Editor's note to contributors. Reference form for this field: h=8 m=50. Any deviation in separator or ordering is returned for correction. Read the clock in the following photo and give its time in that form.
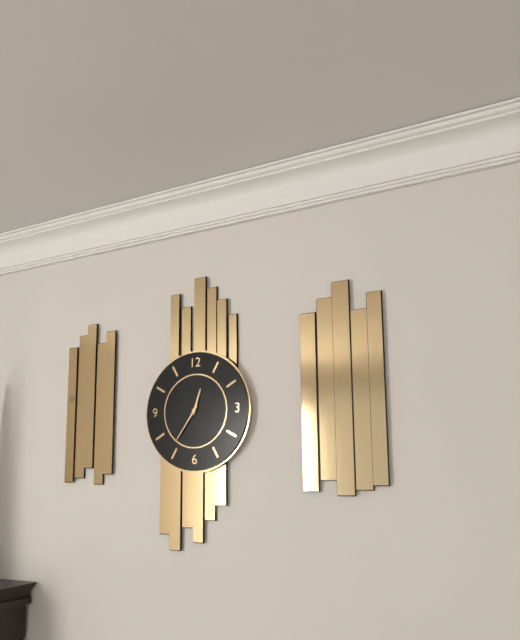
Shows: h=12 m=36
